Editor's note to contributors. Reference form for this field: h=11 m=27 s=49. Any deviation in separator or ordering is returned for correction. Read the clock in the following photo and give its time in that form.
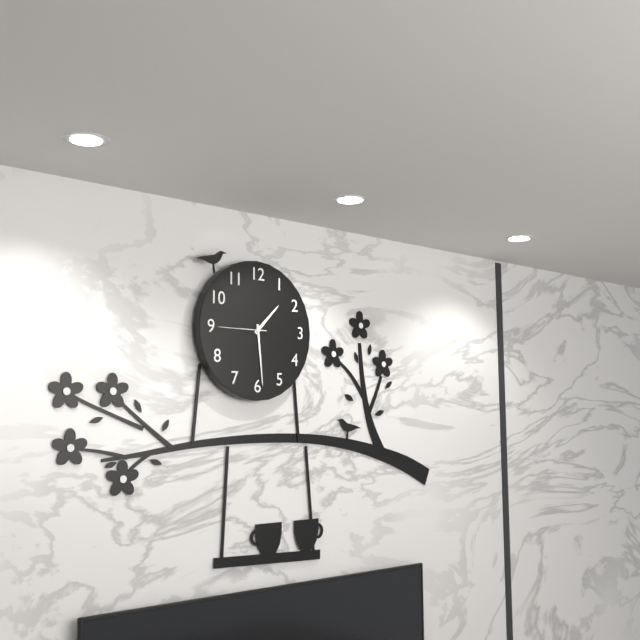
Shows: h=1 m=29 s=45
